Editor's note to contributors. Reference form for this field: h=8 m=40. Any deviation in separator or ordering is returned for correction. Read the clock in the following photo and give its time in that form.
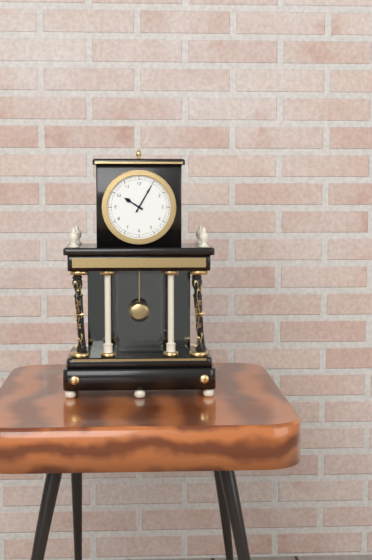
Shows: h=10 m=5
